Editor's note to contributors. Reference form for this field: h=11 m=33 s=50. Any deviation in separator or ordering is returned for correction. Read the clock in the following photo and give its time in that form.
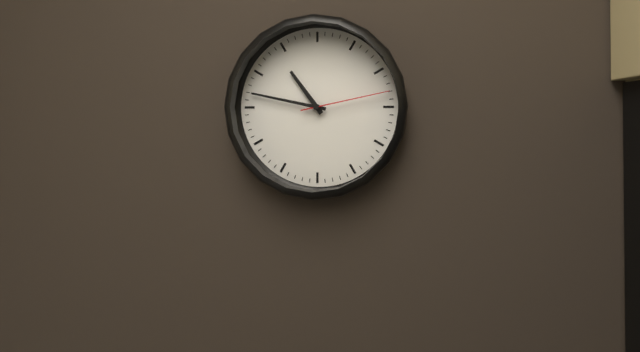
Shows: h=10 m=47 s=13
